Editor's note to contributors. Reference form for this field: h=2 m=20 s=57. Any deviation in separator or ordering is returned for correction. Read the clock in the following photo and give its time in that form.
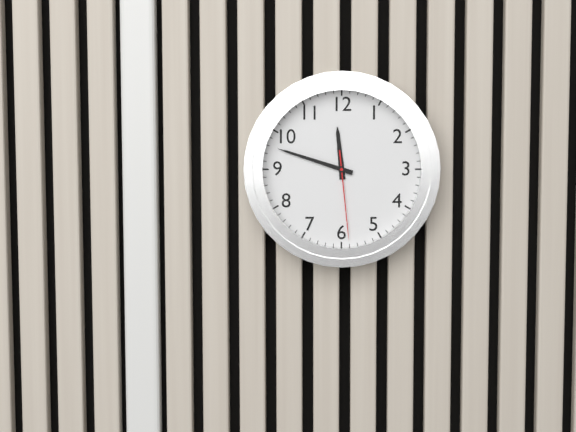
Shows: h=11 m=48 s=29
